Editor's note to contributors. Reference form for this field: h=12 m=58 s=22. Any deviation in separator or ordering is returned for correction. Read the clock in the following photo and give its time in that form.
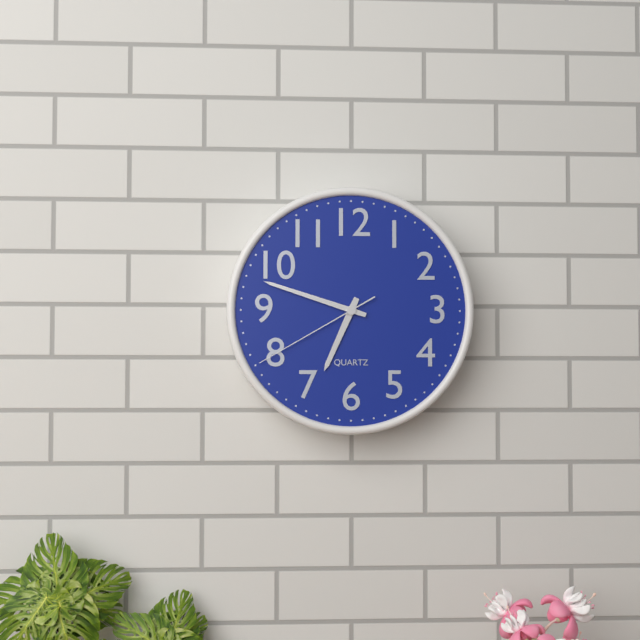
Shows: h=6 m=48 s=40
